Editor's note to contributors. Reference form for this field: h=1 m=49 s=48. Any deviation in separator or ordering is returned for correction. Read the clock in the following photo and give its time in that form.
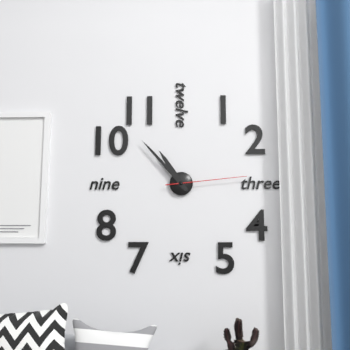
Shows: h=10 m=53 s=14
